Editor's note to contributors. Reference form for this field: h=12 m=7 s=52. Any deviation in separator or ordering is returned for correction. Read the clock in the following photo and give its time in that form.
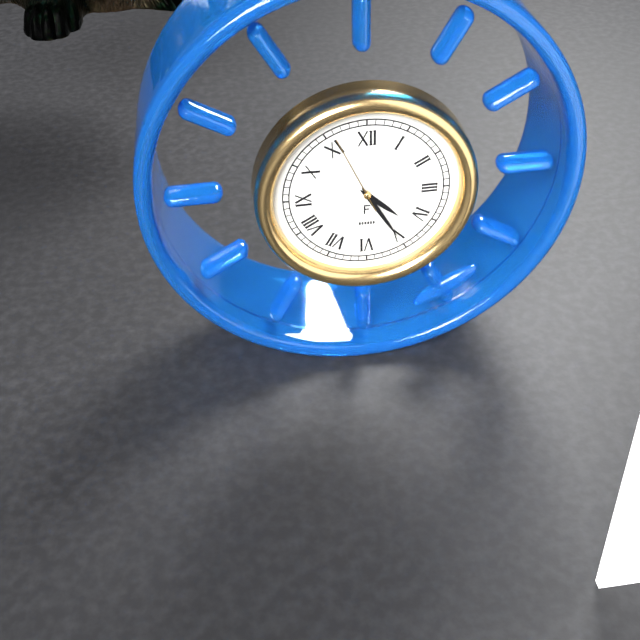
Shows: h=4 m=25 s=56
